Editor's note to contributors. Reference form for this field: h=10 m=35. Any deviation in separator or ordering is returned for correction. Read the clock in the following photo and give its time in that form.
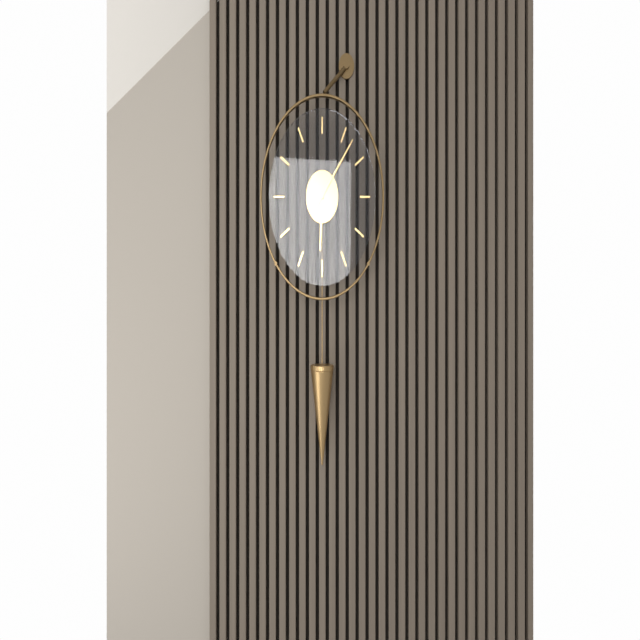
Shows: h=6 m=7
